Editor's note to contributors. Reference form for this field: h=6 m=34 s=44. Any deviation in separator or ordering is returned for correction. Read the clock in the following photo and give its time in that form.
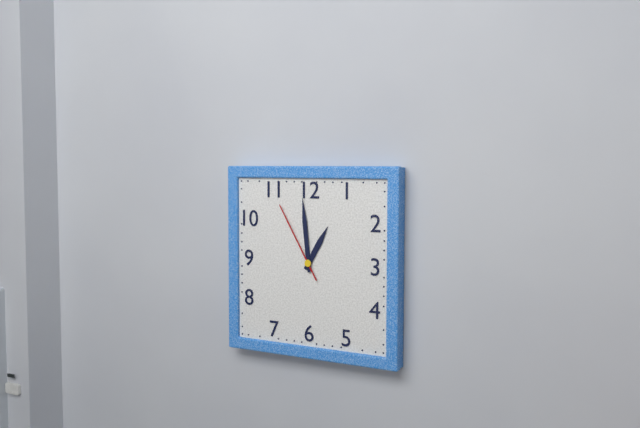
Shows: h=12 m=59 s=55
